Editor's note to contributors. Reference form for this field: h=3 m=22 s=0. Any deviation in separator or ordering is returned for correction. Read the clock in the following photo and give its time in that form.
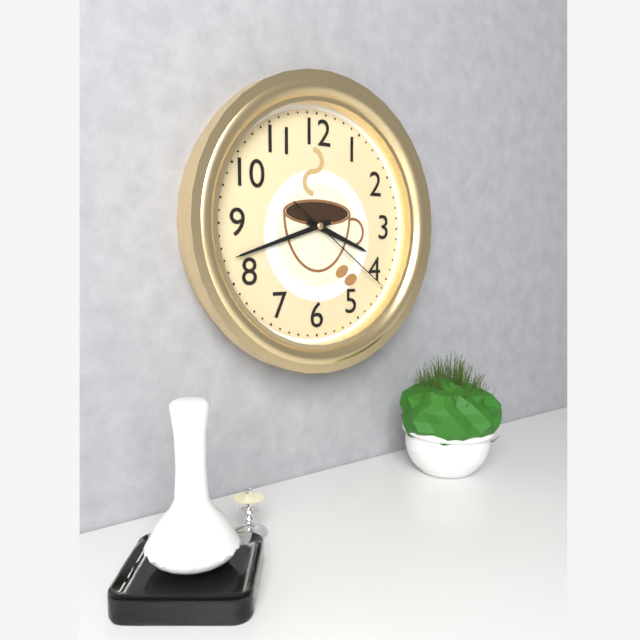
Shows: h=3 m=42 s=21
